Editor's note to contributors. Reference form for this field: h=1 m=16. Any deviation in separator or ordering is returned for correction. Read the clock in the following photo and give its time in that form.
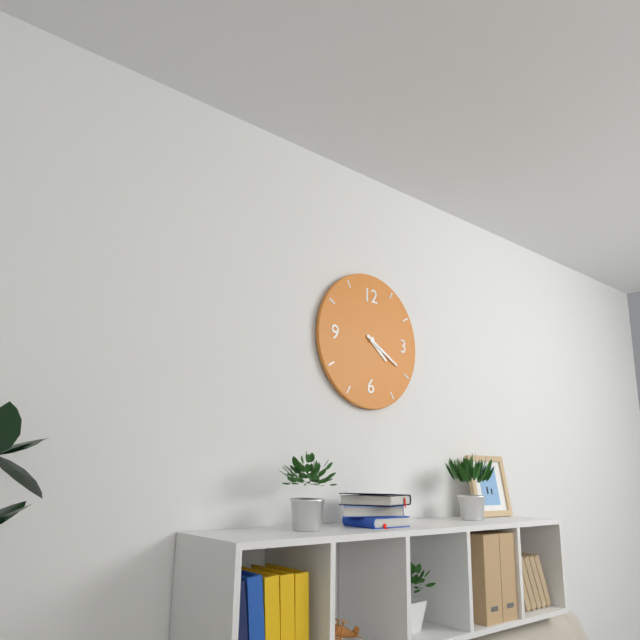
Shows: h=4 m=20
